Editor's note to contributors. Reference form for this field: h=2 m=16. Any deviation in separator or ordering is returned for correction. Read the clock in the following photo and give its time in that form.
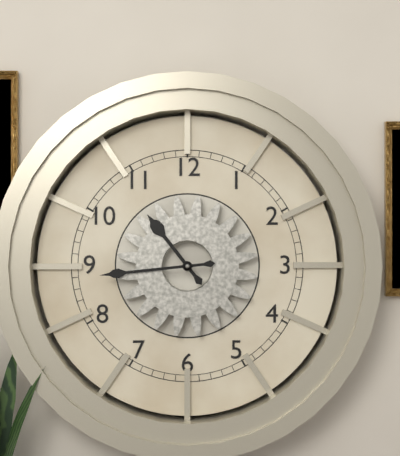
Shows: h=10 m=44
